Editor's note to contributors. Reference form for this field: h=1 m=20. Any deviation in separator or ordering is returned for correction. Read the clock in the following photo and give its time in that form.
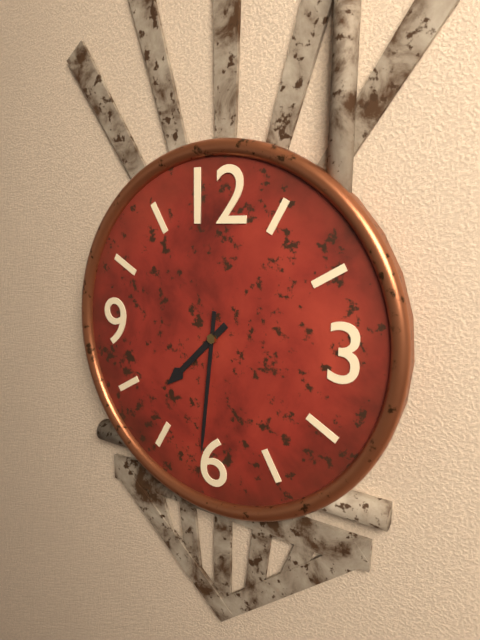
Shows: h=7 m=31
